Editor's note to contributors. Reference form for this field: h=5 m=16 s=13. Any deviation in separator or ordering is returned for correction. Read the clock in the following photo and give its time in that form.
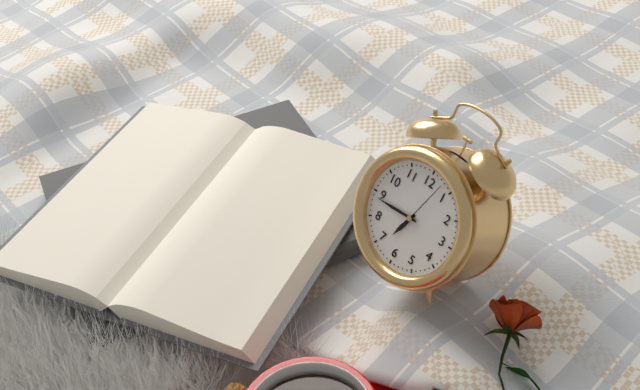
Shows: h=6 m=44 s=3
